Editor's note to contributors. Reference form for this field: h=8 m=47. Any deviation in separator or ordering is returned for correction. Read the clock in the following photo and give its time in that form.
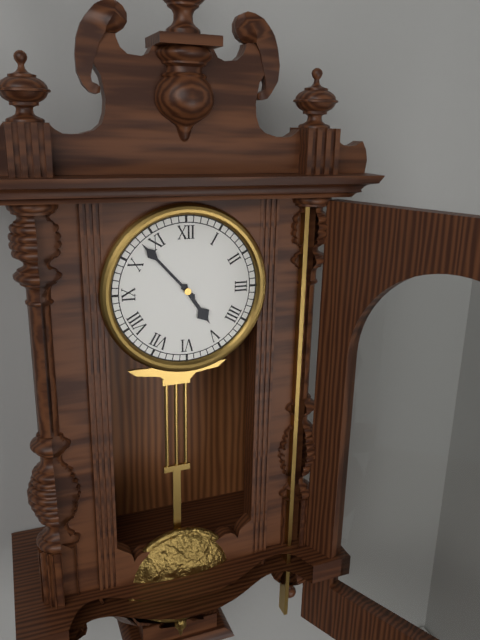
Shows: h=4 m=53
